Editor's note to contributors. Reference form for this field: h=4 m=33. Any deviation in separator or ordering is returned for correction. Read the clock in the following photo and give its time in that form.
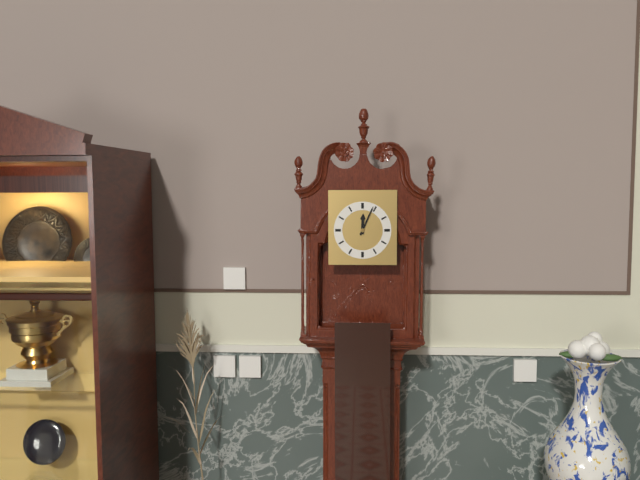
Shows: h=12 m=4
